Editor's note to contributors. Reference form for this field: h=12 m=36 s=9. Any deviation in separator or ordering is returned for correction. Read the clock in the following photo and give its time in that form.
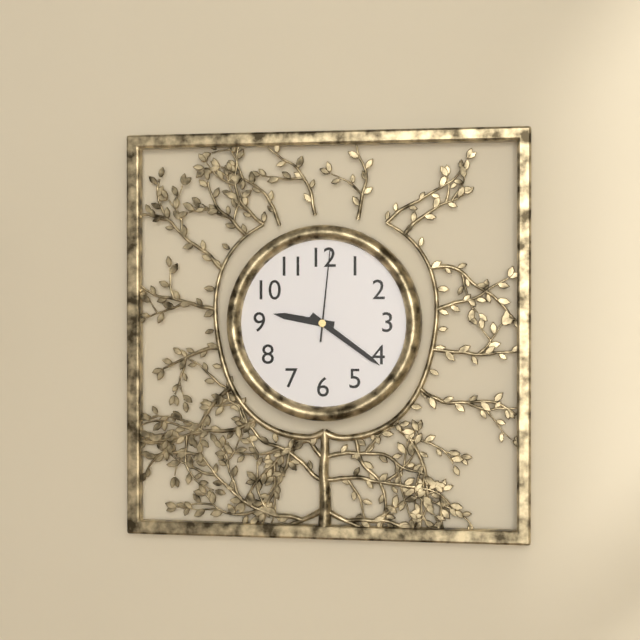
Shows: h=9 m=21 s=1
